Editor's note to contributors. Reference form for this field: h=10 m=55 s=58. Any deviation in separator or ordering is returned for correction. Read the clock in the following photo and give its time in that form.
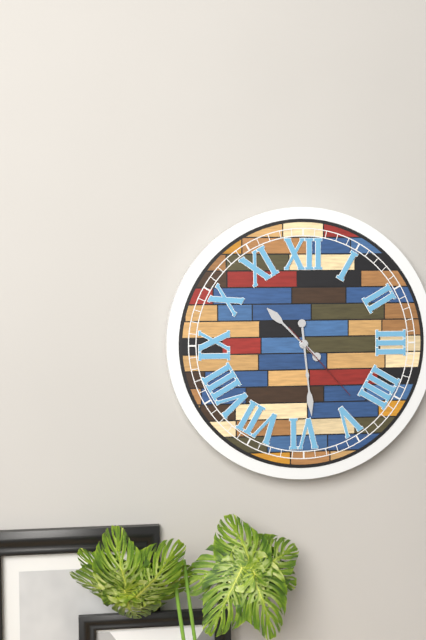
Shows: h=10 m=29 s=23
